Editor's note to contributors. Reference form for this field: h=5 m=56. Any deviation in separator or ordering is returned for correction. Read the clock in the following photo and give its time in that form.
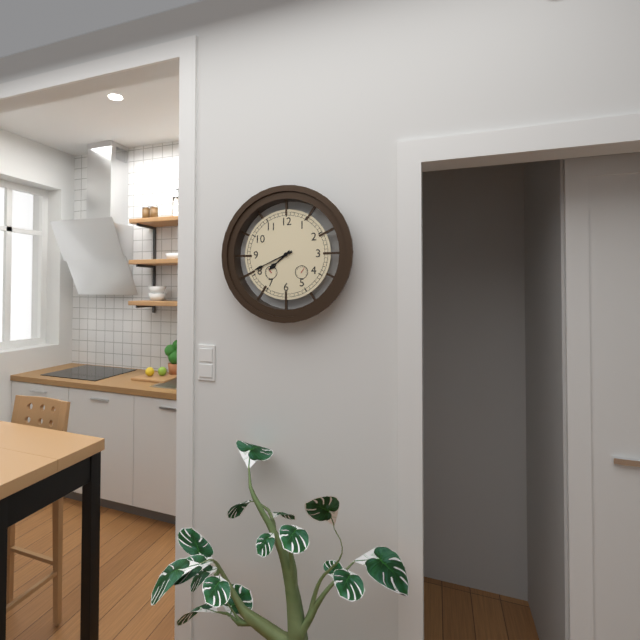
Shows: h=7 m=41
